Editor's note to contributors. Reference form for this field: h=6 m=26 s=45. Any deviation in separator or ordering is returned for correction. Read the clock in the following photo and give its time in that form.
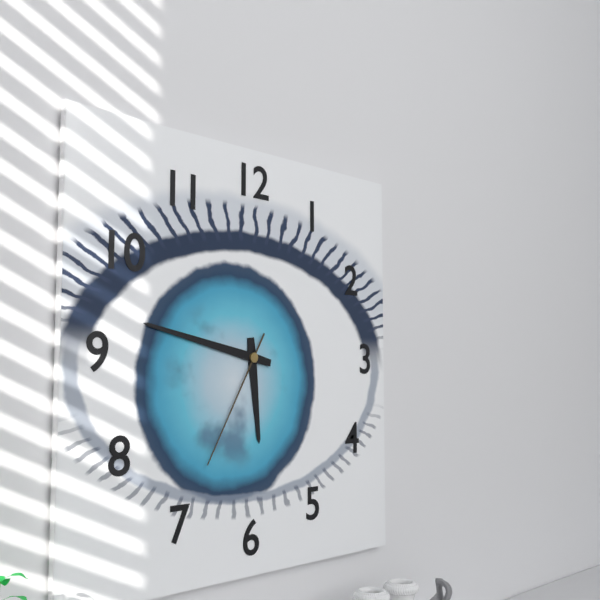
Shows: h=5 m=47 s=35
